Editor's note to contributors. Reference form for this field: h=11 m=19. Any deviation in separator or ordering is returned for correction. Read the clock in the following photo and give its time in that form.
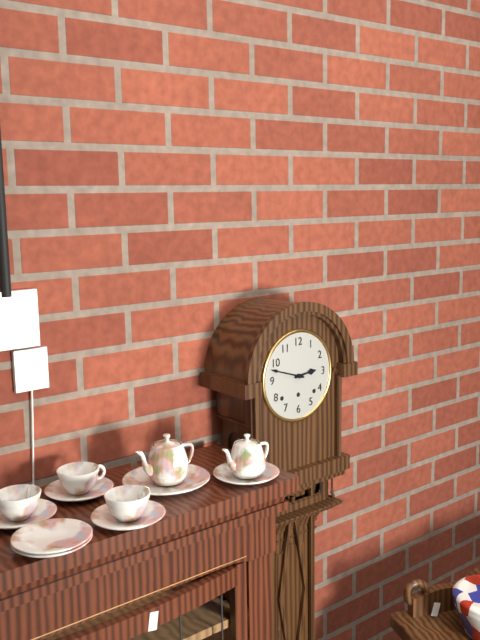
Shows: h=2 m=48
